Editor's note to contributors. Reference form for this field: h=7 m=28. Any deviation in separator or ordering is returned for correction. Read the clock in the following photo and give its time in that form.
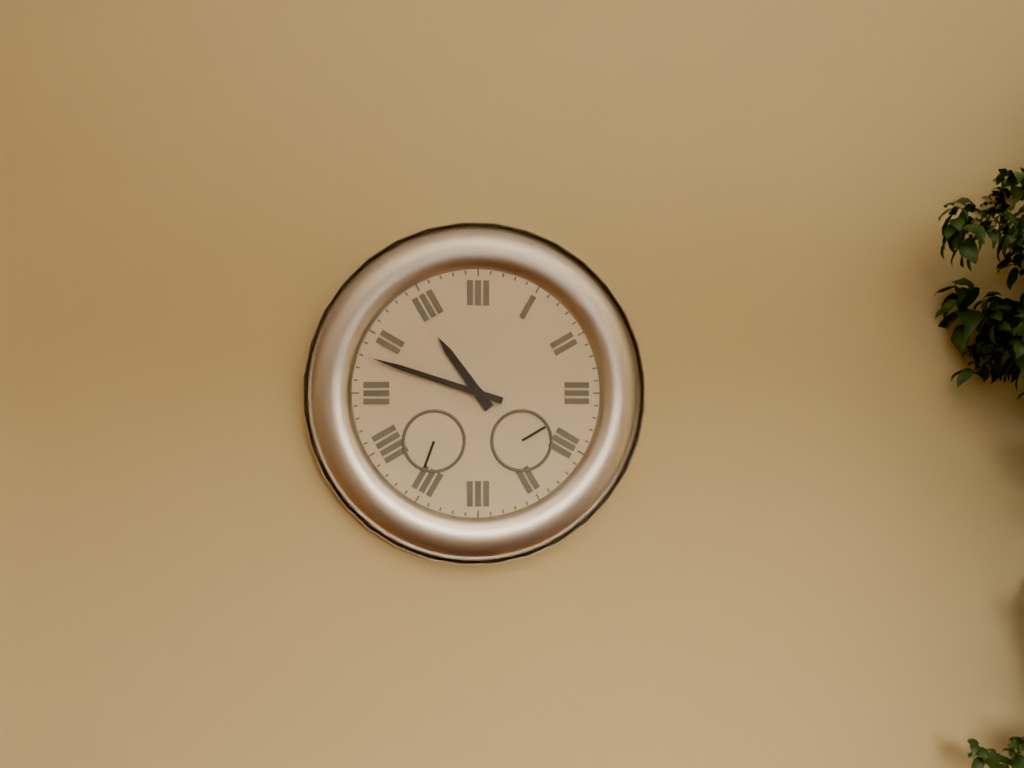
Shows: h=10 m=48
